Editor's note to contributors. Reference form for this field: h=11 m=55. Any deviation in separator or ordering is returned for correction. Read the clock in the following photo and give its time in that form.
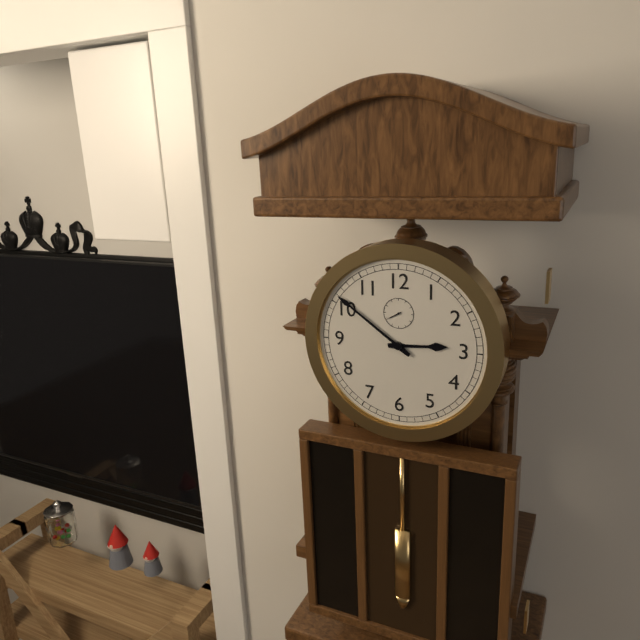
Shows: h=2 m=51
